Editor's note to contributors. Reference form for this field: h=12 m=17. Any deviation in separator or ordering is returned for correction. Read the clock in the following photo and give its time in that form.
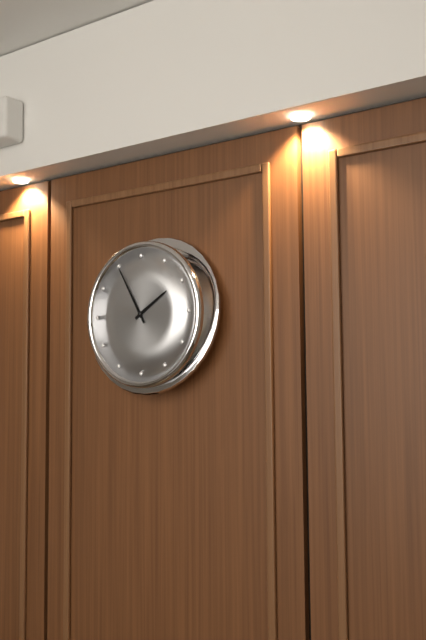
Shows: h=1 m=55
